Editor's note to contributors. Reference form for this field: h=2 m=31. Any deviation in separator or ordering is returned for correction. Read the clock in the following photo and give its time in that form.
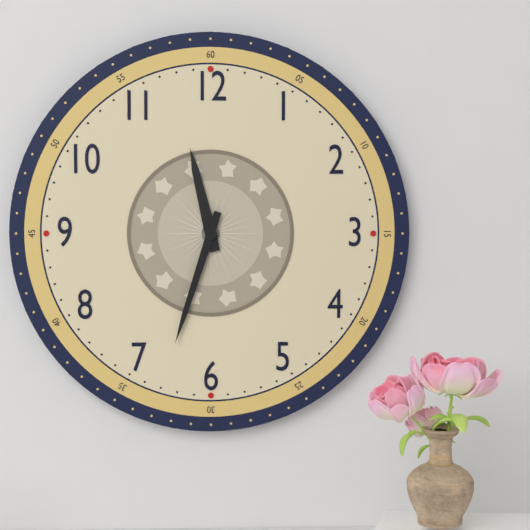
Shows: h=11 m=33
